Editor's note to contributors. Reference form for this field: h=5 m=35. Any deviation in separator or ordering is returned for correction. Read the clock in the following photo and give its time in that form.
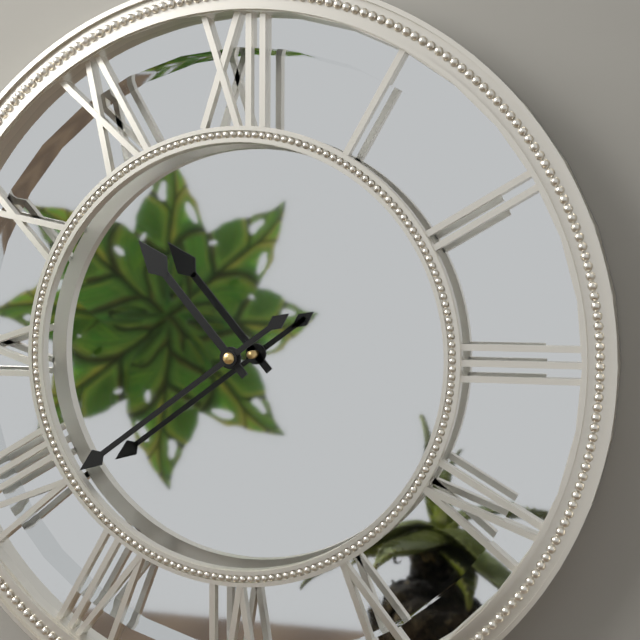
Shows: h=10 m=39
